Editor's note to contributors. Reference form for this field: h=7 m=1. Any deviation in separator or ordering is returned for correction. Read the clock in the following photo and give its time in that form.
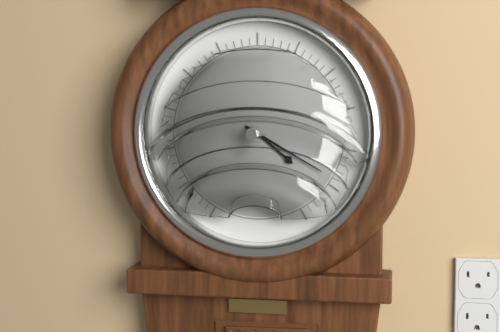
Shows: h=4 m=20
